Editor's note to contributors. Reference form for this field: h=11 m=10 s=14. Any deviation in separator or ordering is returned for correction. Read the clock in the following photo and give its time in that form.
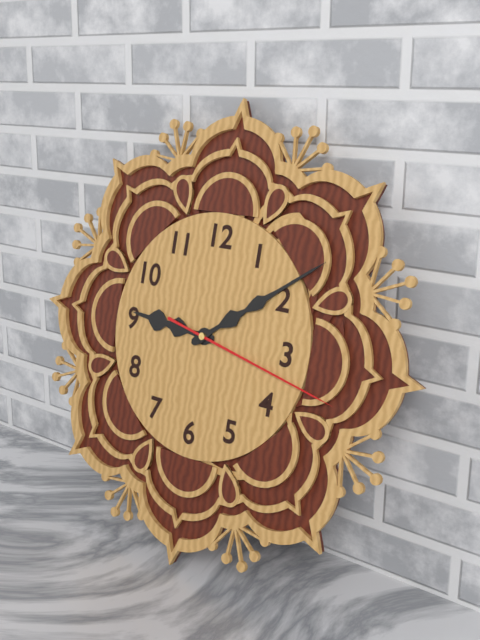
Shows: h=9 m=9 s=17
